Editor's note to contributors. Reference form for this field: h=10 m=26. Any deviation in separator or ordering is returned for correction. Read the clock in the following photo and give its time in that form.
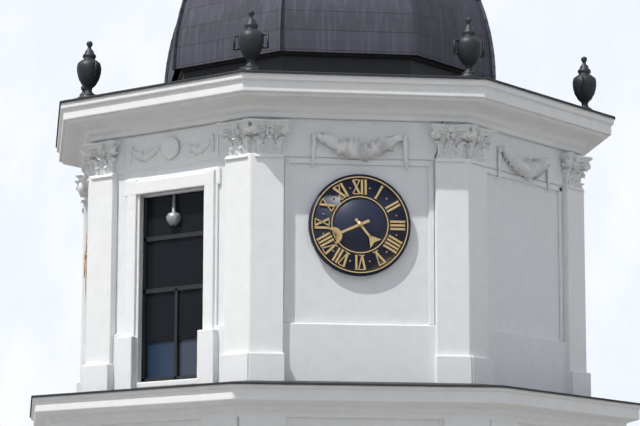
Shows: h=4 m=41
